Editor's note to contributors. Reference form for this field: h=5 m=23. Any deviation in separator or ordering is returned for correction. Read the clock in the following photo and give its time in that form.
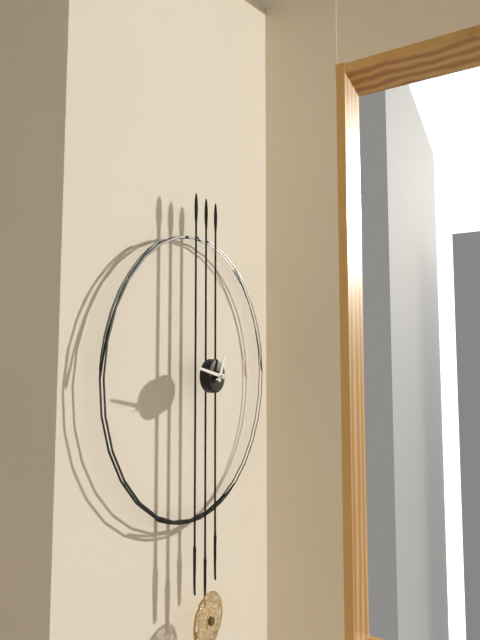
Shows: h=12 m=47
